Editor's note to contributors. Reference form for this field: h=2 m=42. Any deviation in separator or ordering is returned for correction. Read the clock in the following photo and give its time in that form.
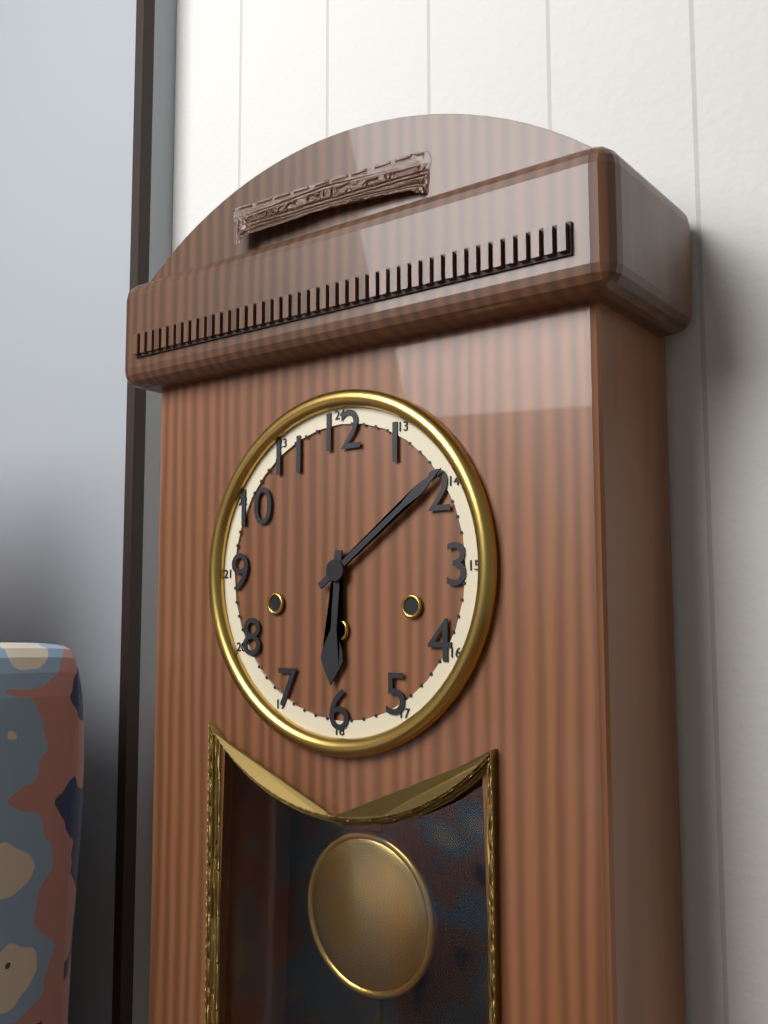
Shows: h=6 m=9
